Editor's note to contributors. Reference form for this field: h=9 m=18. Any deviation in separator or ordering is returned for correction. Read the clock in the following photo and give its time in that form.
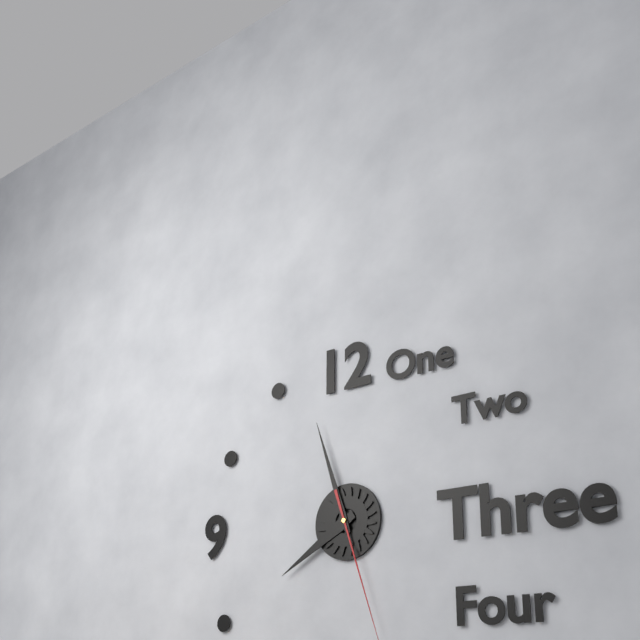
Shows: h=7 m=57
